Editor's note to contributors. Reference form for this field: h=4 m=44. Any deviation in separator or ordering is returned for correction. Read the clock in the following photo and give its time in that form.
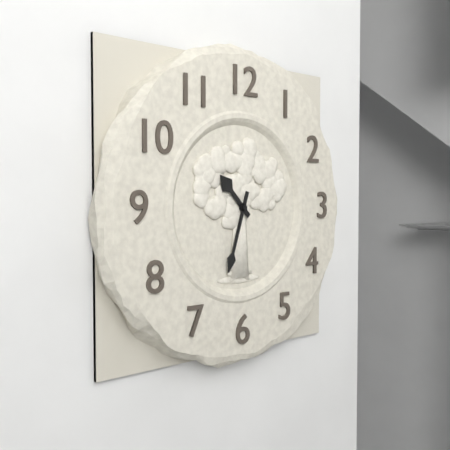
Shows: h=10 m=33
